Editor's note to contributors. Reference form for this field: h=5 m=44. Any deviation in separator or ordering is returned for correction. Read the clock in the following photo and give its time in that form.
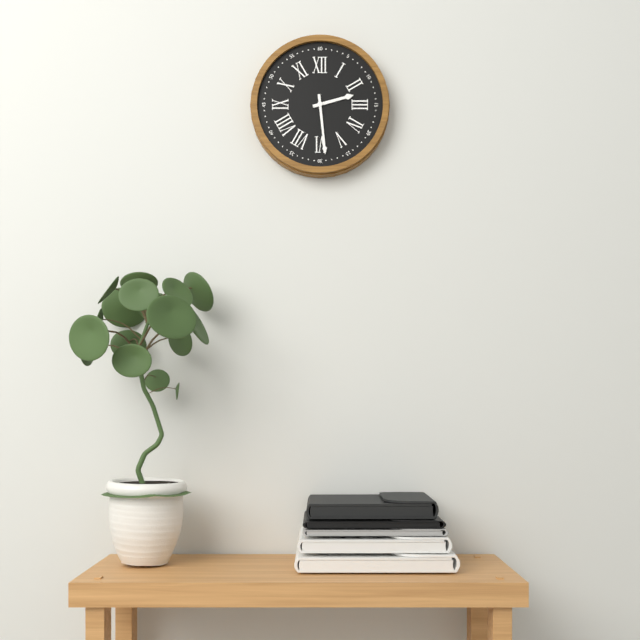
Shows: h=2 m=29
